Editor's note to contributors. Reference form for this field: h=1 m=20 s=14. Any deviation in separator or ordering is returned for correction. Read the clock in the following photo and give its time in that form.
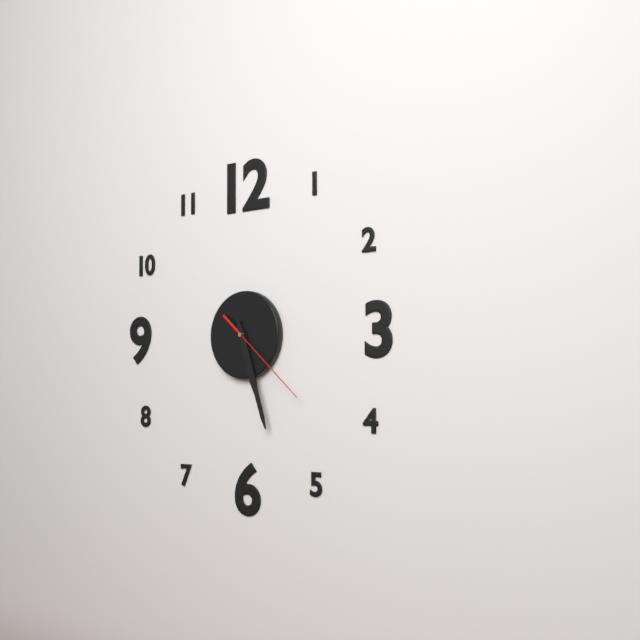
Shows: h=5 m=27 s=22
